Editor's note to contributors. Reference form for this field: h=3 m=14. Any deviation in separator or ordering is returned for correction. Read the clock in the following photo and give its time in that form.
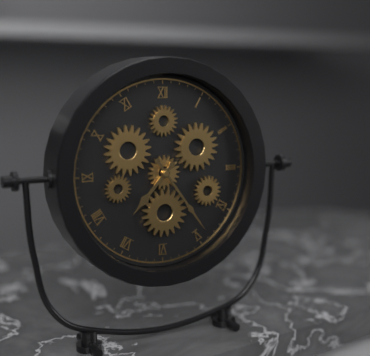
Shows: h=7 m=24
